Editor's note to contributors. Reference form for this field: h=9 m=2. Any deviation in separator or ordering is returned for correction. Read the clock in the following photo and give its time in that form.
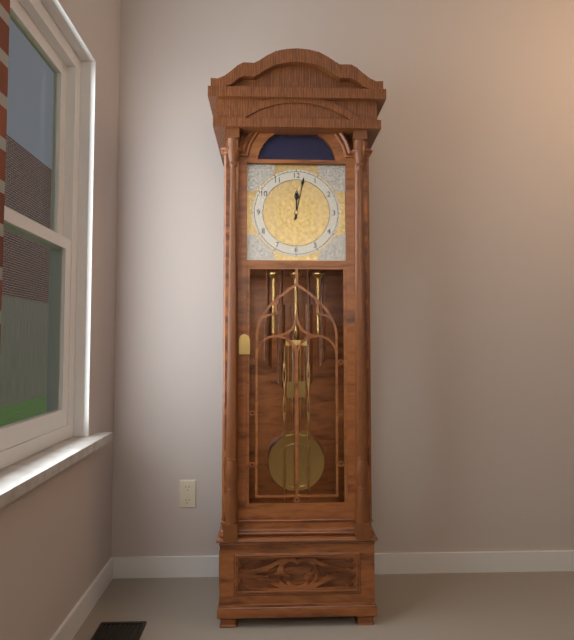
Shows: h=12 m=2
